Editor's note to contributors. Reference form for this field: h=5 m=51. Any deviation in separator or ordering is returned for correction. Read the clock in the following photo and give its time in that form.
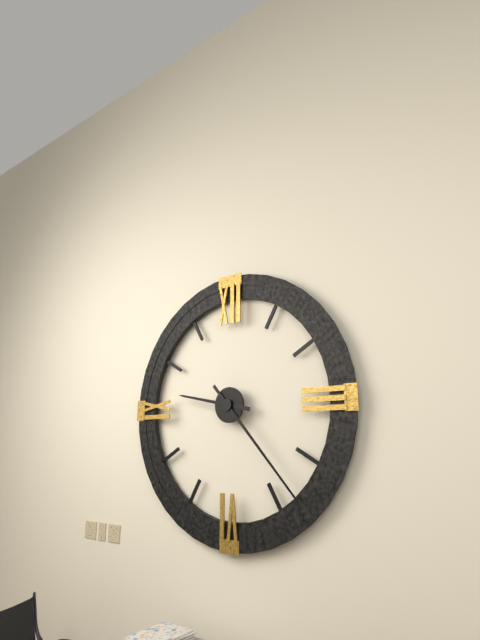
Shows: h=9 m=23
